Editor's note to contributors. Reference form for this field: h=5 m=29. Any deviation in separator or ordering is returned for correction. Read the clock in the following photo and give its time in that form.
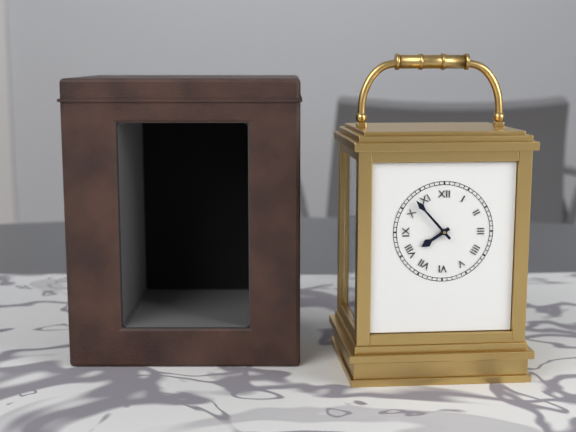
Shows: h=7 m=53
